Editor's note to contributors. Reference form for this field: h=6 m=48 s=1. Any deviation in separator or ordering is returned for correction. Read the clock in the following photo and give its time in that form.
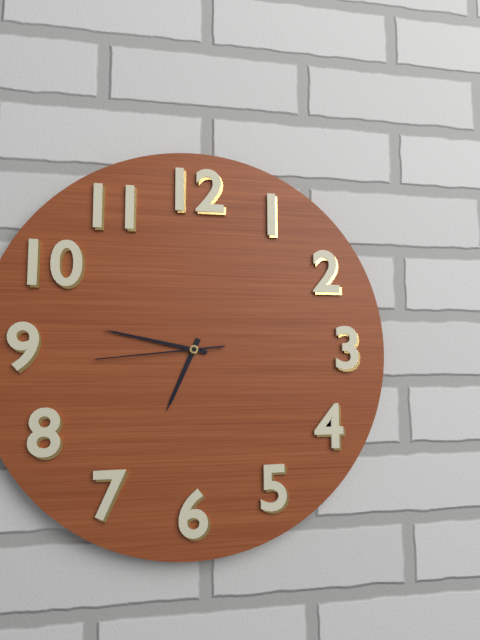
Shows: h=6 m=47 s=44
